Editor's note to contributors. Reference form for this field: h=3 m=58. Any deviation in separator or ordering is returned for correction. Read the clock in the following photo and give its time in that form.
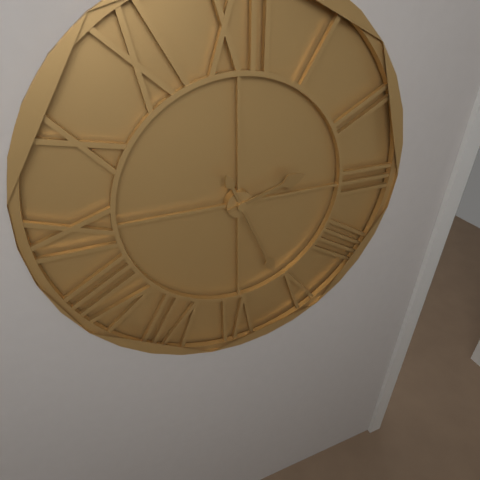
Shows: h=2 m=26
